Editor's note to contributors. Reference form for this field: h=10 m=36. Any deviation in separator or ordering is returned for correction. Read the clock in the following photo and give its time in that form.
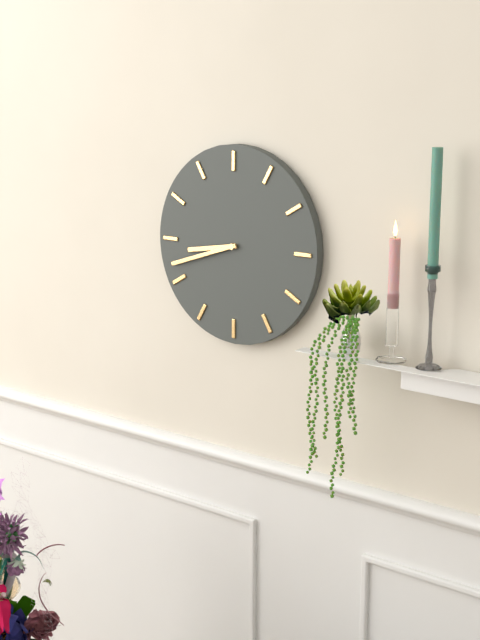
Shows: h=8 m=42
